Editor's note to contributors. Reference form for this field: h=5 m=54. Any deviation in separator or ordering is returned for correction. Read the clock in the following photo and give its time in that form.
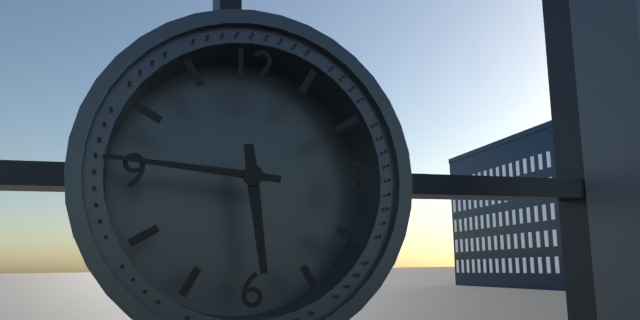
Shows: h=5 m=46
